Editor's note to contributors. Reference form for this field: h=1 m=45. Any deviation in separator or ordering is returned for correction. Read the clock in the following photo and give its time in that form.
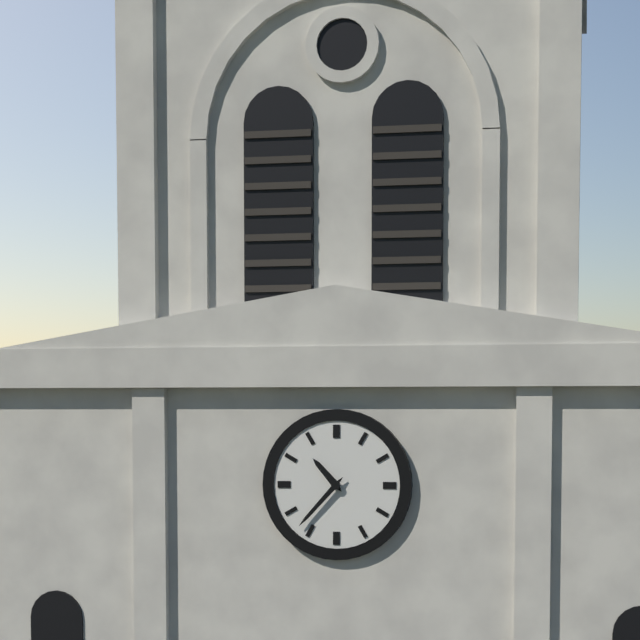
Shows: h=10 m=37
